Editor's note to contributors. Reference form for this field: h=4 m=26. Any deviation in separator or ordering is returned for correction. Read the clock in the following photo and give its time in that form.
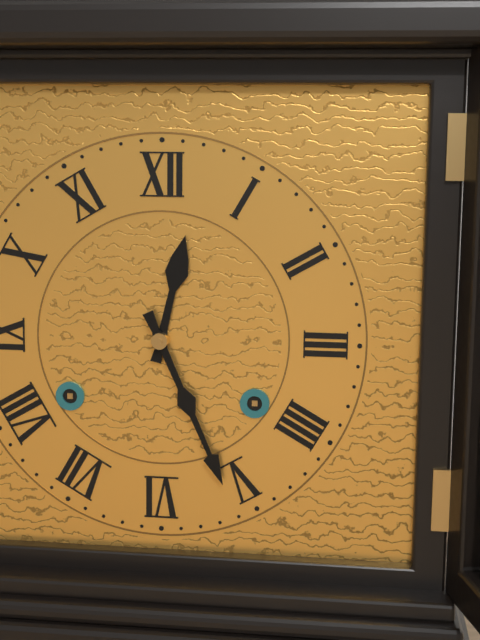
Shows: h=12 m=26
